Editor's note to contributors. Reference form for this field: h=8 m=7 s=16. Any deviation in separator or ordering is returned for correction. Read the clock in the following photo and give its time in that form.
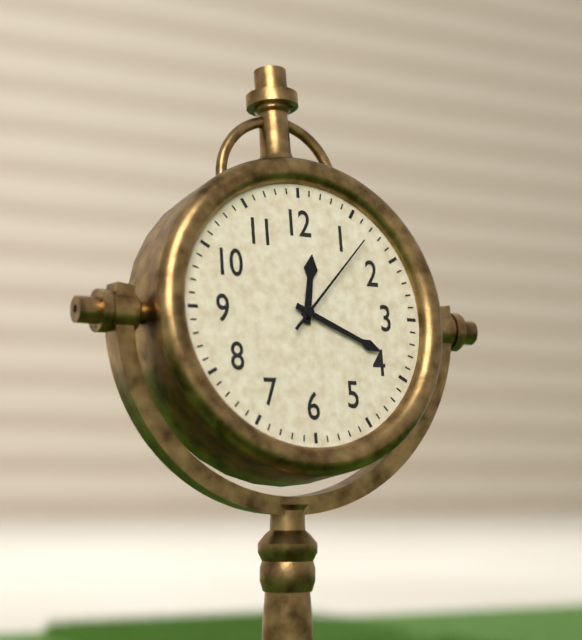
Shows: h=12 m=19 s=7
